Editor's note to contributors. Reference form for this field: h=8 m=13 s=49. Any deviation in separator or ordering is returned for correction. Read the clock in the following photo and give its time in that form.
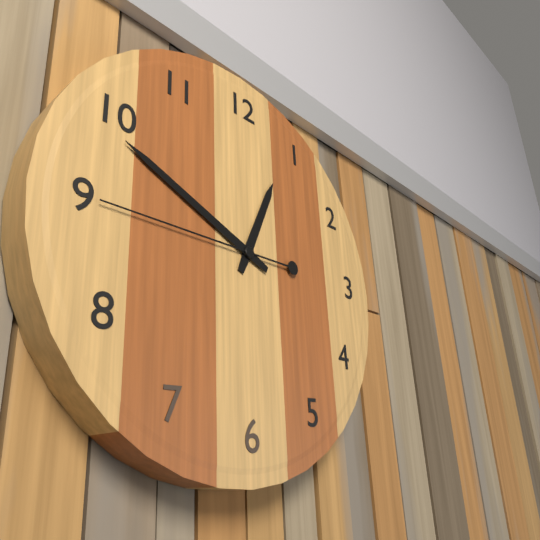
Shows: h=12 m=49 s=45
